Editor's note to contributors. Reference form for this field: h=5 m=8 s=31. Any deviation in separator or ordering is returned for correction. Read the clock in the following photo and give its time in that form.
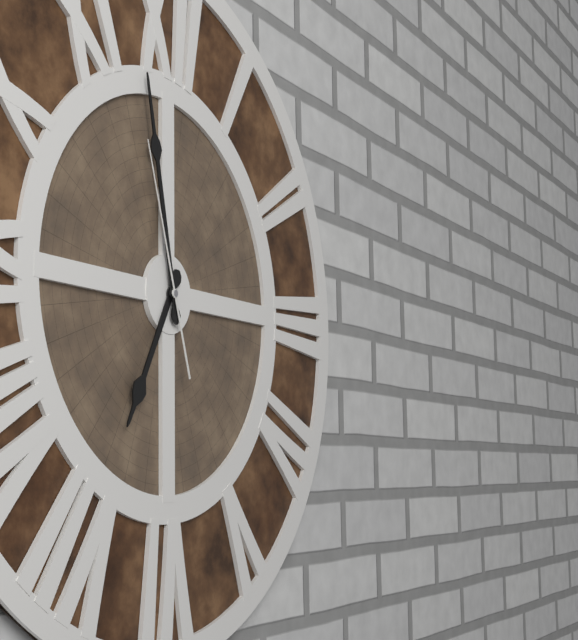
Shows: h=6 m=58 s=57
